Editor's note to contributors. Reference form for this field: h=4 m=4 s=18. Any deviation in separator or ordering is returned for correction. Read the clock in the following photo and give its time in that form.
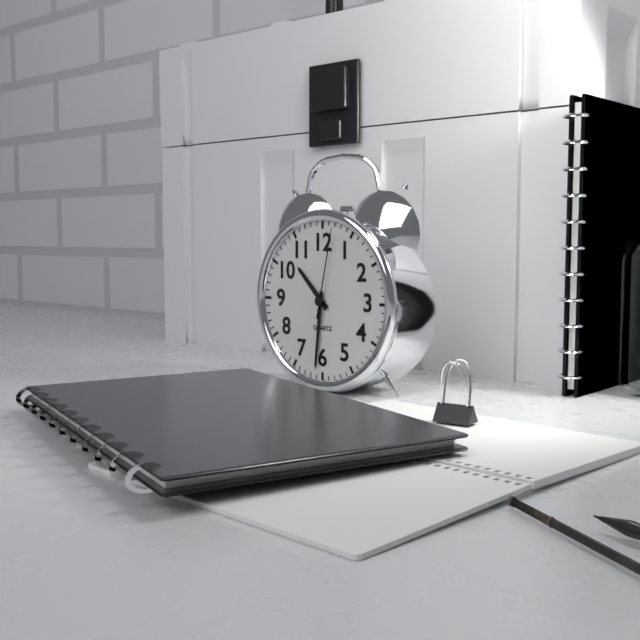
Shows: h=10 m=31 s=2
